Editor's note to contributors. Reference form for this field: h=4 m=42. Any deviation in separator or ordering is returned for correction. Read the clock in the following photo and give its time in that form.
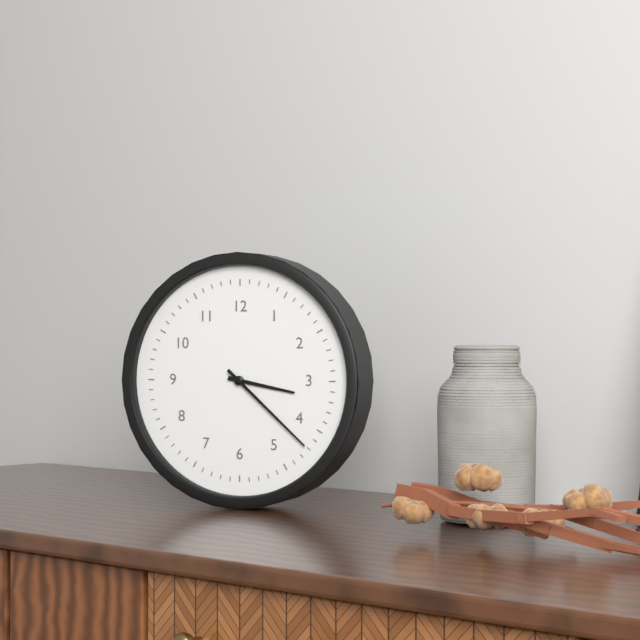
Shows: h=3 m=22
